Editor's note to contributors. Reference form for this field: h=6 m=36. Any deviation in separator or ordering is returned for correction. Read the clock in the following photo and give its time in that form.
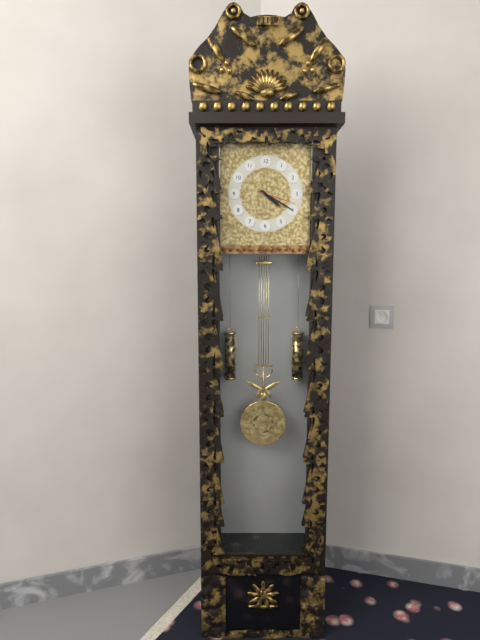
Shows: h=4 m=20
